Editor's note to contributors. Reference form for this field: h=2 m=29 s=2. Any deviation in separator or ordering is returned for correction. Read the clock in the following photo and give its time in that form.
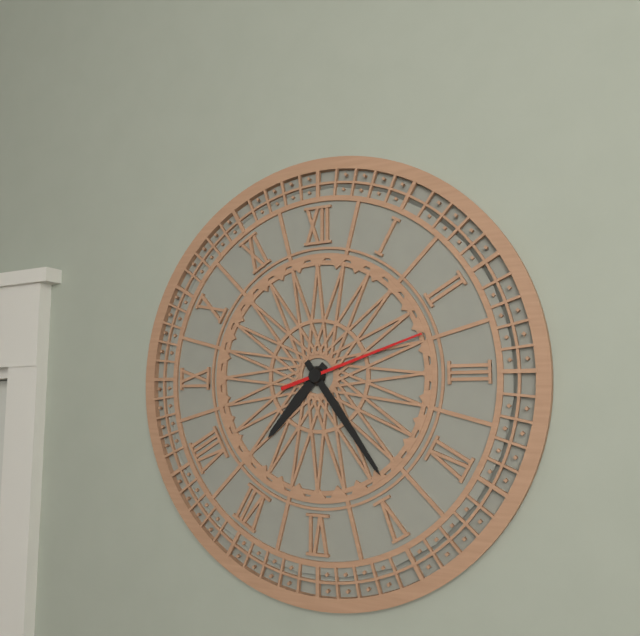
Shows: h=7 m=24 s=12
